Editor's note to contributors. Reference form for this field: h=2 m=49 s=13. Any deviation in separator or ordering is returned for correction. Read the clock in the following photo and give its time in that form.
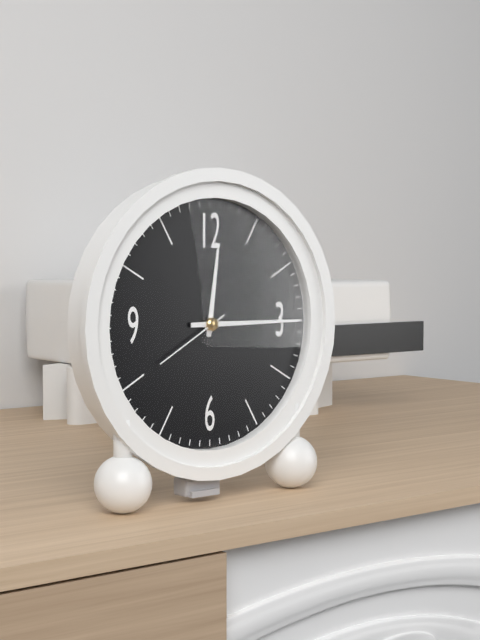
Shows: h=12 m=15 s=40
